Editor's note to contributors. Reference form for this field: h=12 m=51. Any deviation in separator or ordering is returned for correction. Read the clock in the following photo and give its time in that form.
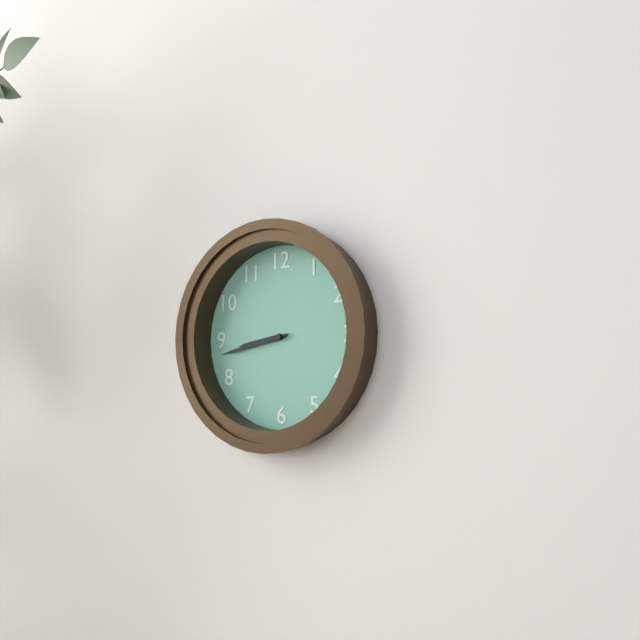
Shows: h=8 m=43
